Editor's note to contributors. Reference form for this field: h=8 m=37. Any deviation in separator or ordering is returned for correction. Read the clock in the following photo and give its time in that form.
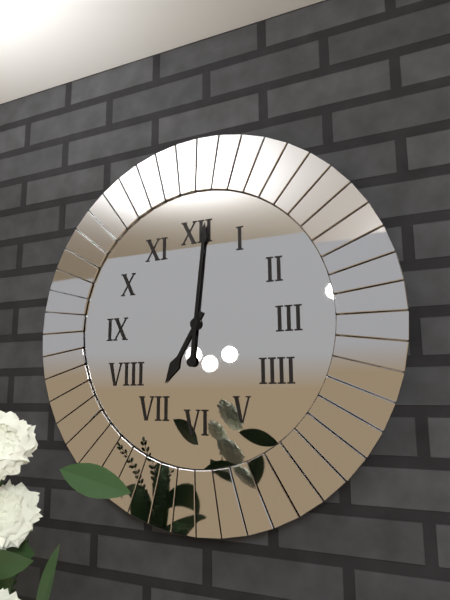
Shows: h=7 m=1
